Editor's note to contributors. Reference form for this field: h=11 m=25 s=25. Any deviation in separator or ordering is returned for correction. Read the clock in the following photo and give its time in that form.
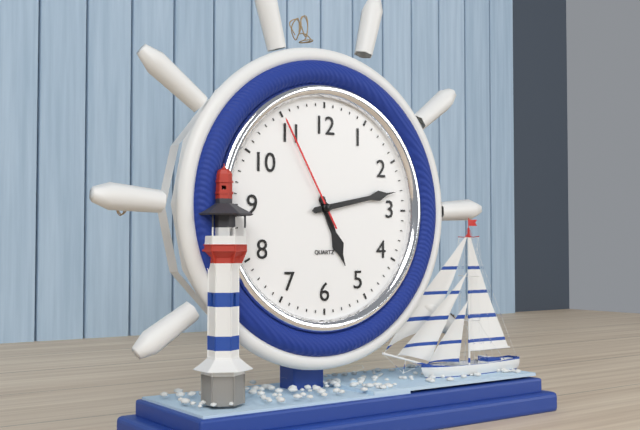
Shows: h=5 m=13 s=55
